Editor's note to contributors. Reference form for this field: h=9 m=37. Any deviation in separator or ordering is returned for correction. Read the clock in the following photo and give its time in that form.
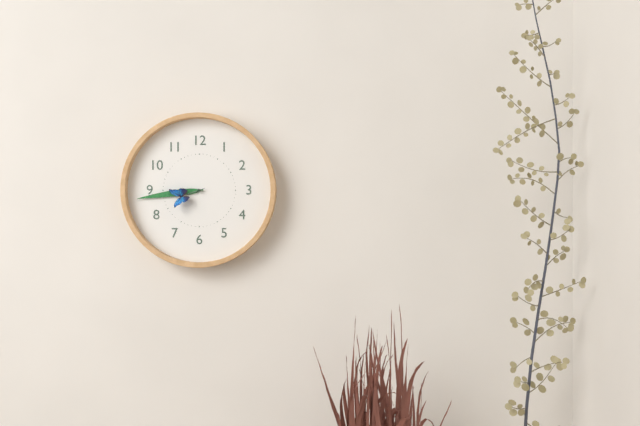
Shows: h=8 m=44
